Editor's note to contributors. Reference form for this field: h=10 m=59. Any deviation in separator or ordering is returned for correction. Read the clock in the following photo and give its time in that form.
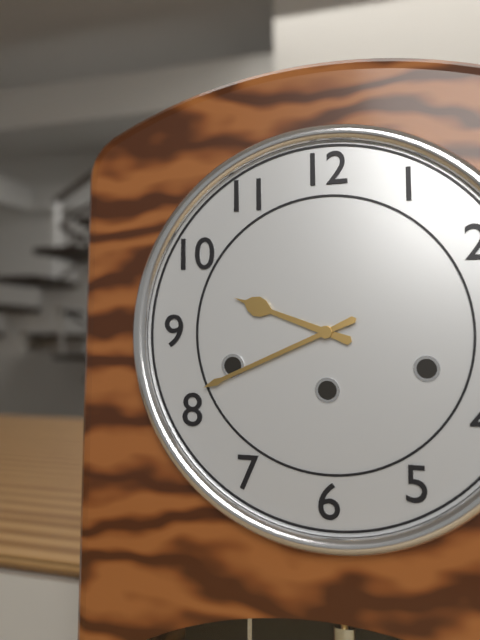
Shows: h=9 m=41
